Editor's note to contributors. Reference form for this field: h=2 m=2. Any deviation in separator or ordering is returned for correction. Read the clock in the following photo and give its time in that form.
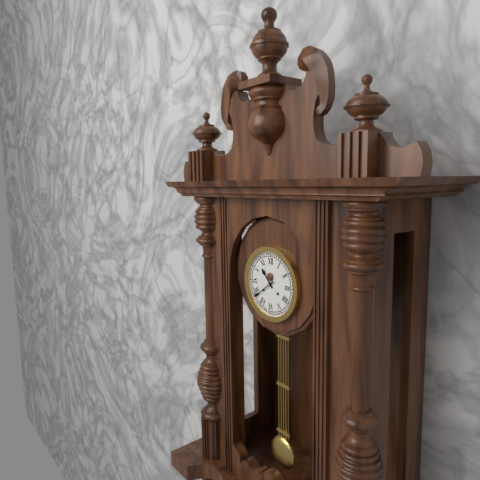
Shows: h=10 m=39
